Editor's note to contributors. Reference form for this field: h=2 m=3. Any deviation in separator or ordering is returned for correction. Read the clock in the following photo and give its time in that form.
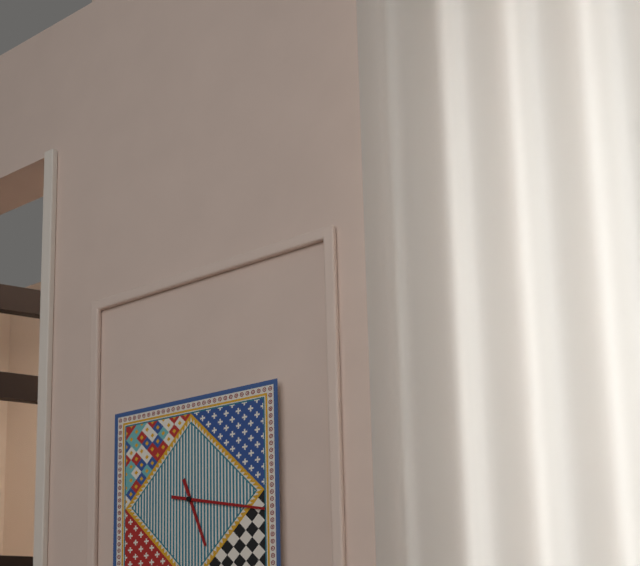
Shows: h=5 m=17
